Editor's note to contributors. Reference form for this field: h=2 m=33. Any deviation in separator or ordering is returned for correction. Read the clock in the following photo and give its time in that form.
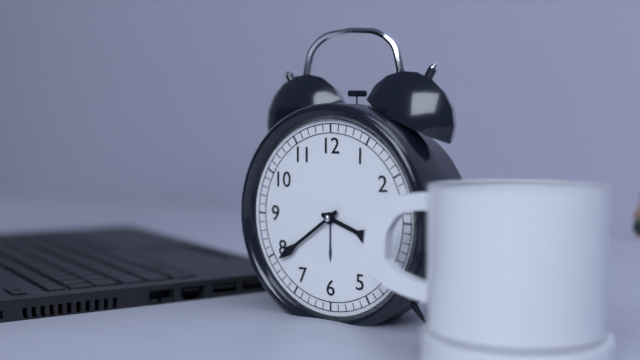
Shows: h=3 m=39
